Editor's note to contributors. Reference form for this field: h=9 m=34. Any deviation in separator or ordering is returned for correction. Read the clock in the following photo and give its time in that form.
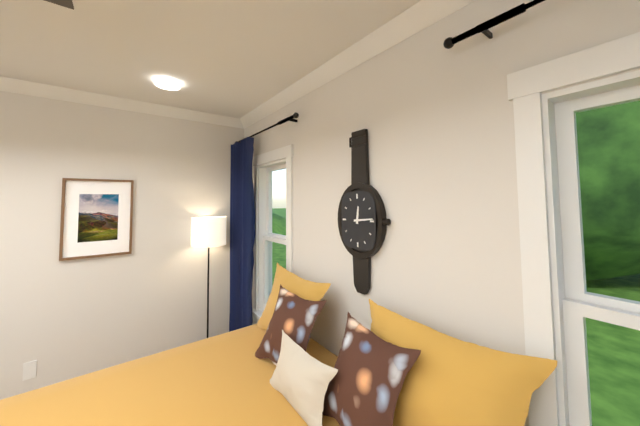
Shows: h=12 m=14
